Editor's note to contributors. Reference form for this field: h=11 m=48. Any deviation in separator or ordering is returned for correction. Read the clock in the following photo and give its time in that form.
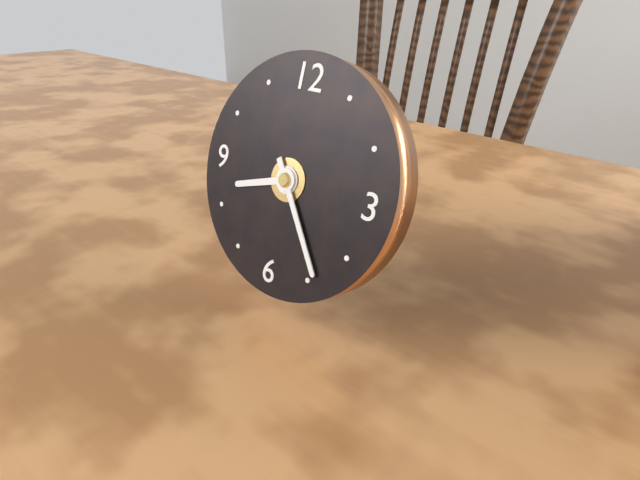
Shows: h=8 m=24
